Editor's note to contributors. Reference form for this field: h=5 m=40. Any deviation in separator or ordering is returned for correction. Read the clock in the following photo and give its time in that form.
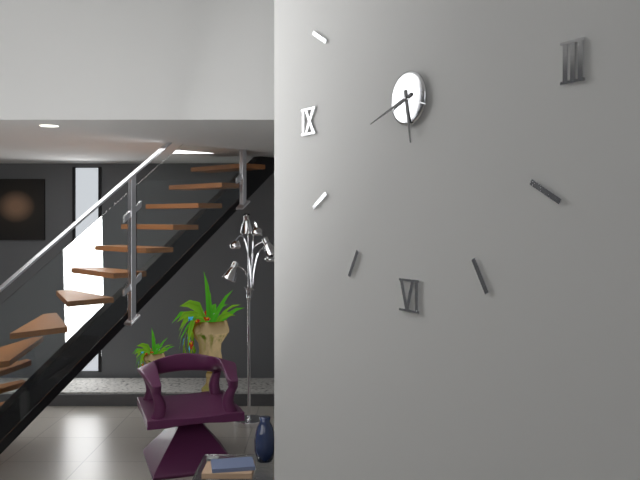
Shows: h=5 m=42
